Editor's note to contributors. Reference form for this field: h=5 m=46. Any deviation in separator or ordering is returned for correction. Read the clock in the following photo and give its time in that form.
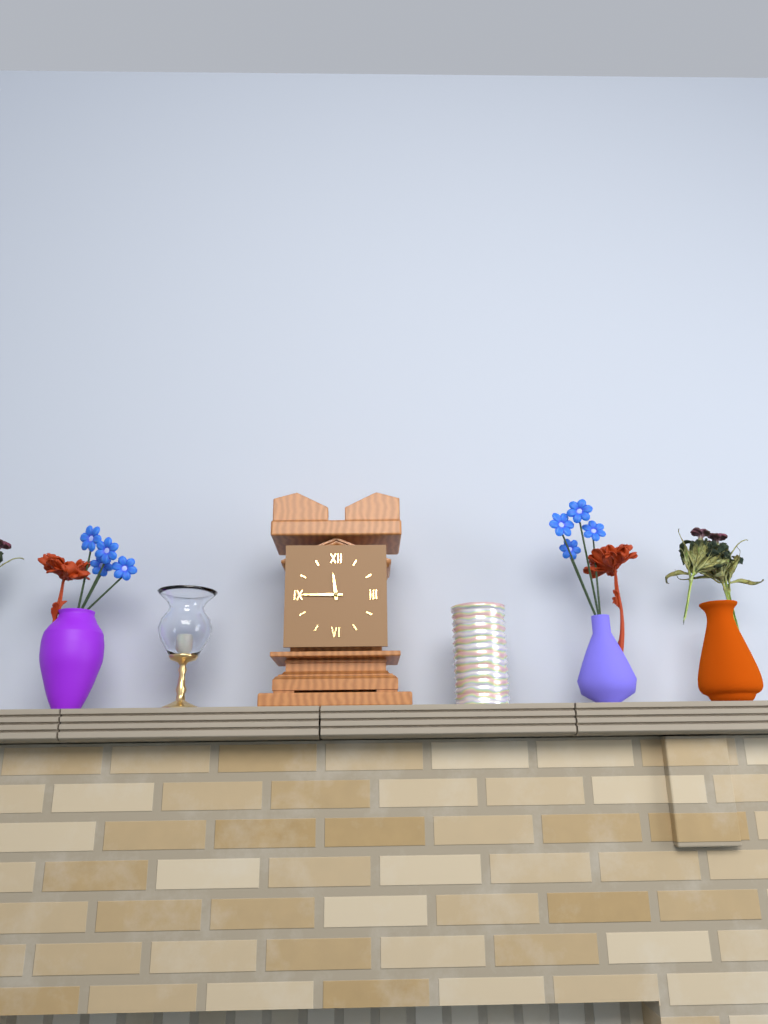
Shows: h=11 m=45
